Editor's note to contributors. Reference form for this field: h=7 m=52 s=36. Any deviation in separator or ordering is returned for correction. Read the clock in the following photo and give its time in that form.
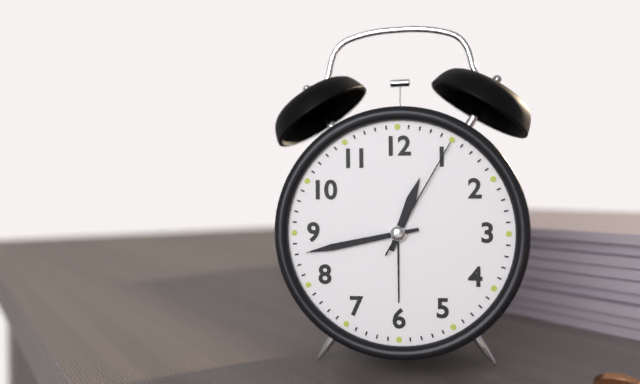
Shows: h=12 m=43 s=5
